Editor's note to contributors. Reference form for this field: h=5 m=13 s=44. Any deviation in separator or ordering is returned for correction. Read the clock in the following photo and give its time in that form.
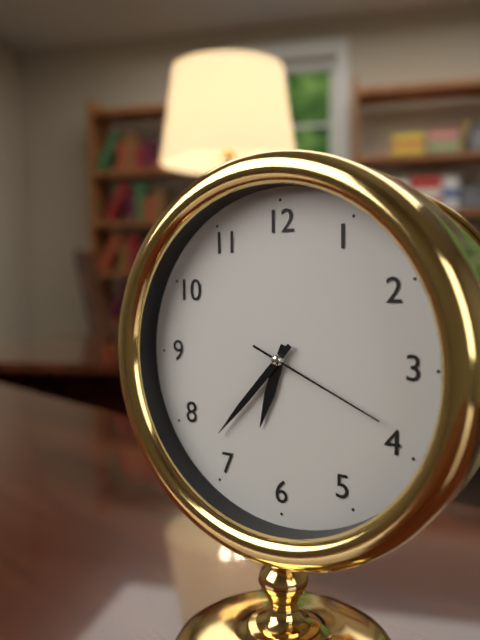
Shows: h=6 m=37 s=19
